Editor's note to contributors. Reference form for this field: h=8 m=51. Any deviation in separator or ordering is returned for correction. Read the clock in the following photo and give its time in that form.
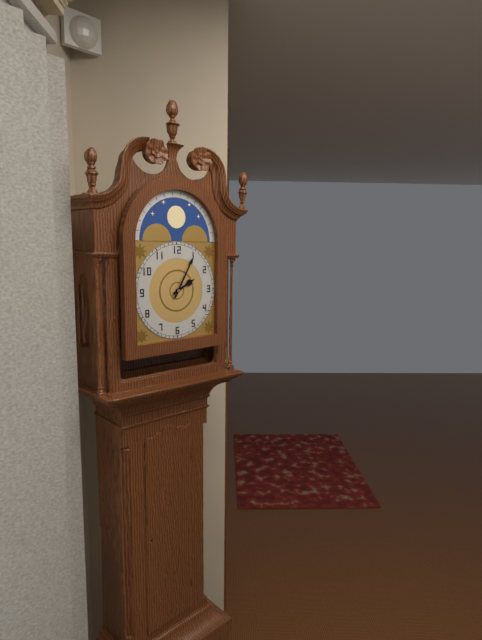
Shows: h=2 m=5
